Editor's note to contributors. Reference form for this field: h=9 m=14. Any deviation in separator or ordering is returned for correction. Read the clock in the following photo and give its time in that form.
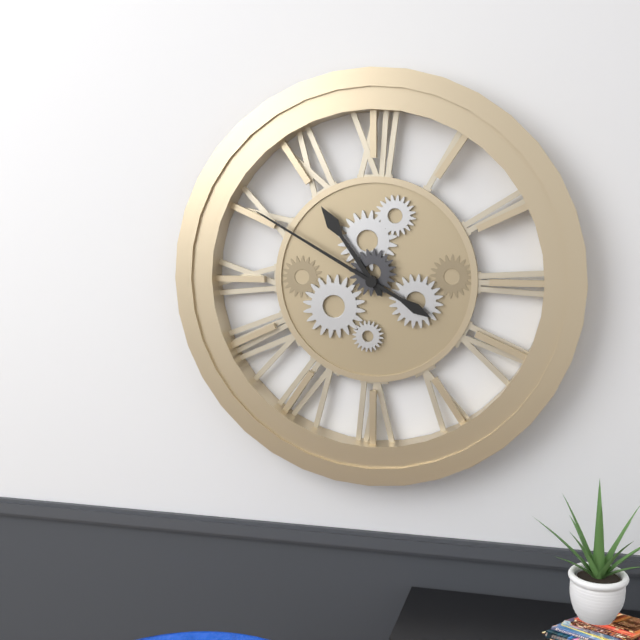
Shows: h=10 m=50
